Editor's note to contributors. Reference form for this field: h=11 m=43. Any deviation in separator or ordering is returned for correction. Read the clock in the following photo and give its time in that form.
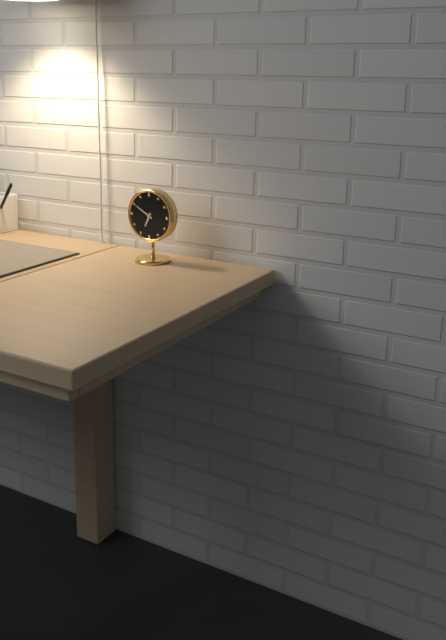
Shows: h=6 m=50
